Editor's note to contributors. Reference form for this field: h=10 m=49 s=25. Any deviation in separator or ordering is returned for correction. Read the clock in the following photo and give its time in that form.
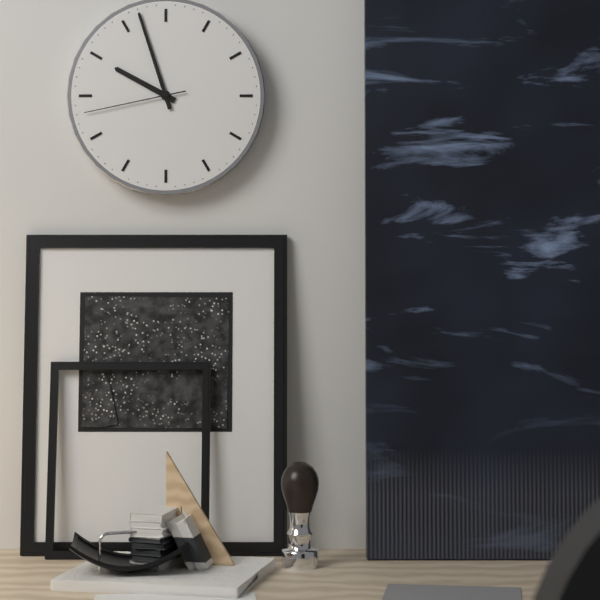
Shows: h=9 m=57 s=43
